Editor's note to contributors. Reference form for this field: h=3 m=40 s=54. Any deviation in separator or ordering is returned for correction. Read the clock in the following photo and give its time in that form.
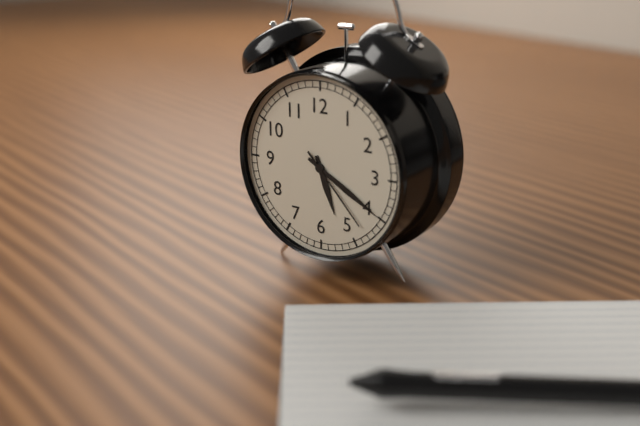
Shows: h=5 m=20 s=23
